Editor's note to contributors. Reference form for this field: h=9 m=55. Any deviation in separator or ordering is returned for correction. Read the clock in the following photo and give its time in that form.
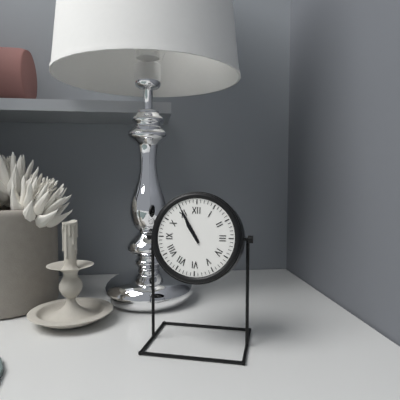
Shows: h=10 m=55
